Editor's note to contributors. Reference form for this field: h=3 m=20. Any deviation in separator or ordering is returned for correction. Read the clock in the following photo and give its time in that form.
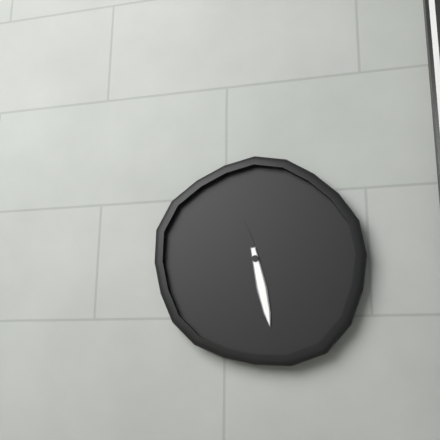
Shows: h=11 m=28
